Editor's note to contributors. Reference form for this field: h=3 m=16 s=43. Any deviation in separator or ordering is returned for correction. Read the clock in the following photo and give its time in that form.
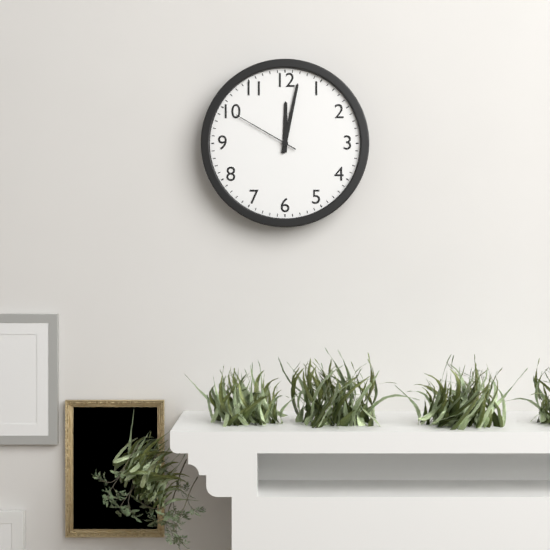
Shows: h=12 m=2 s=50
